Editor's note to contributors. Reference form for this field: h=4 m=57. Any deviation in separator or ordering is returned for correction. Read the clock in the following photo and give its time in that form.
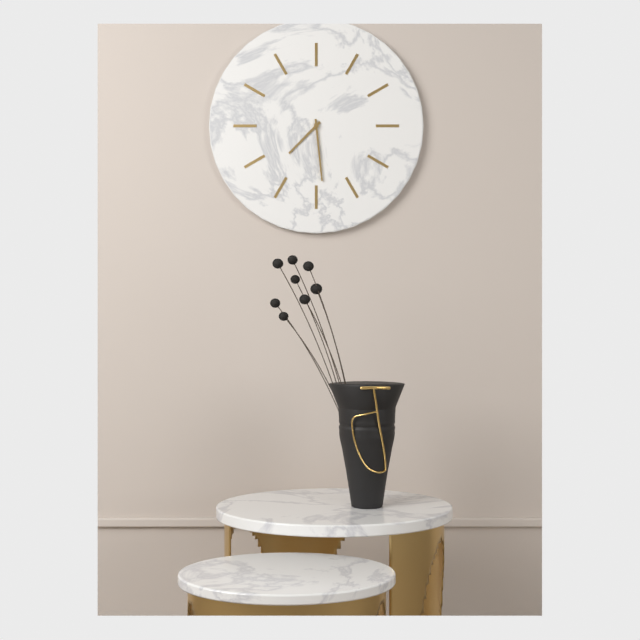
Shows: h=7 m=29
